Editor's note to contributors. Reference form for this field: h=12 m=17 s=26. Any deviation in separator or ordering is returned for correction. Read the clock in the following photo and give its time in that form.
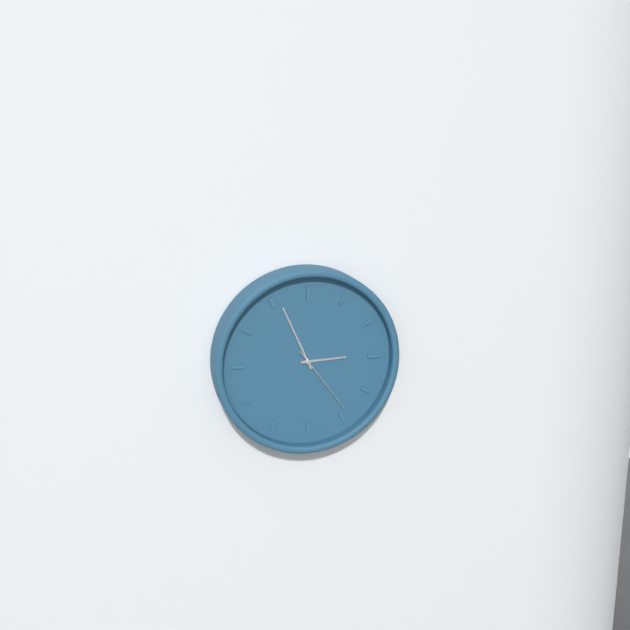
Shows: h=2 m=56 s=24
